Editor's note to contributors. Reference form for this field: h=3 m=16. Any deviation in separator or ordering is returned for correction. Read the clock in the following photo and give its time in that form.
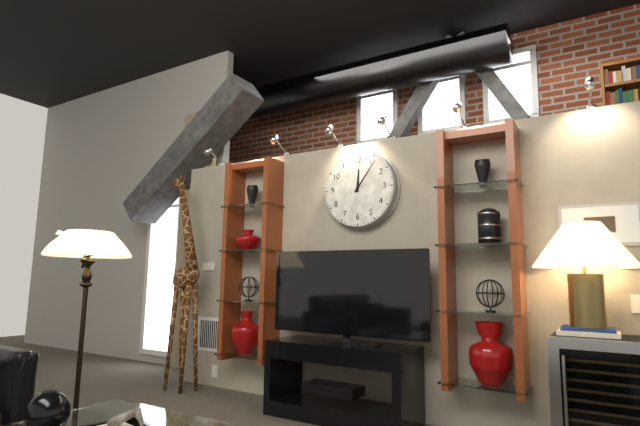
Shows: h=12 m=6
